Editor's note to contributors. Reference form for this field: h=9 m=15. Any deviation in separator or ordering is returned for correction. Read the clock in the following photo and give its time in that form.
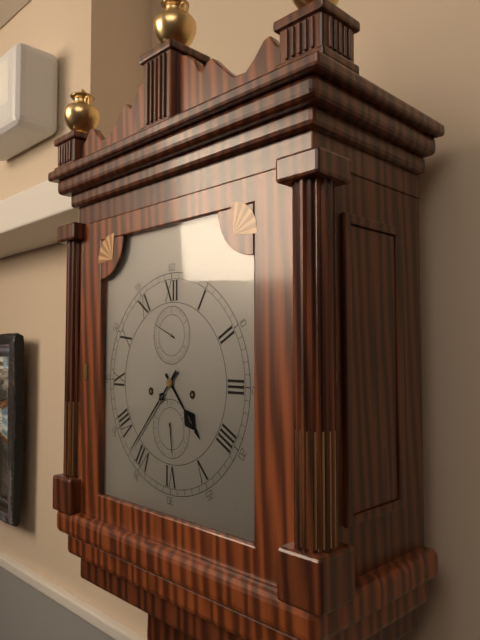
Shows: h=4 m=37
